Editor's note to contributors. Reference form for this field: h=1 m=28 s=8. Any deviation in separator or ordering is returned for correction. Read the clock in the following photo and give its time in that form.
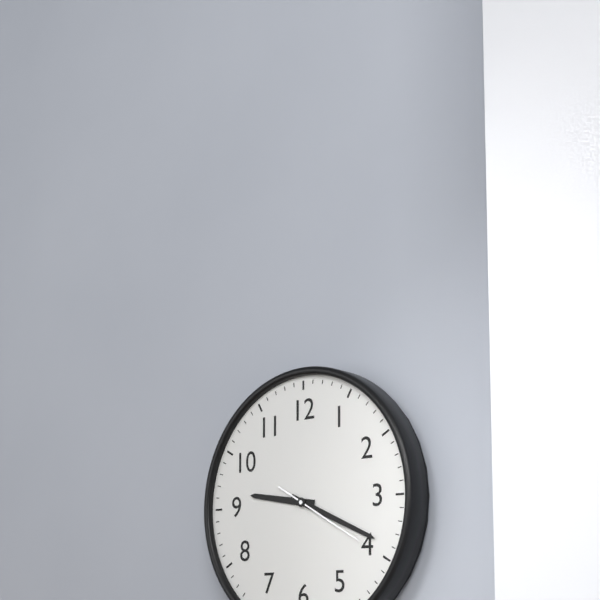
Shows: h=9 m=19 s=20
